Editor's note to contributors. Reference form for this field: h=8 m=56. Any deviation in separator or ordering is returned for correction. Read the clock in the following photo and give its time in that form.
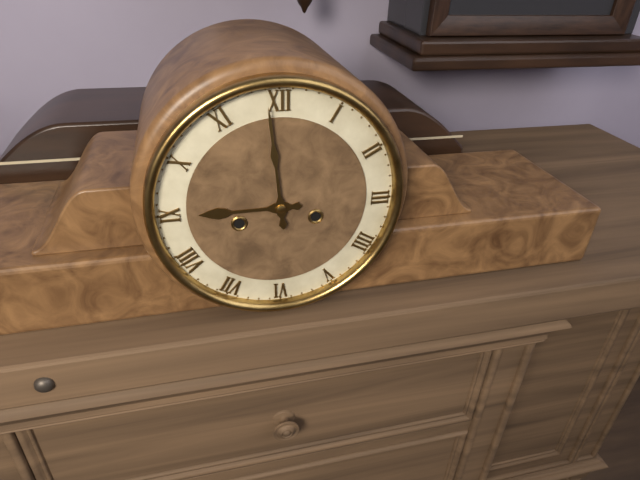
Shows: h=8 m=59
